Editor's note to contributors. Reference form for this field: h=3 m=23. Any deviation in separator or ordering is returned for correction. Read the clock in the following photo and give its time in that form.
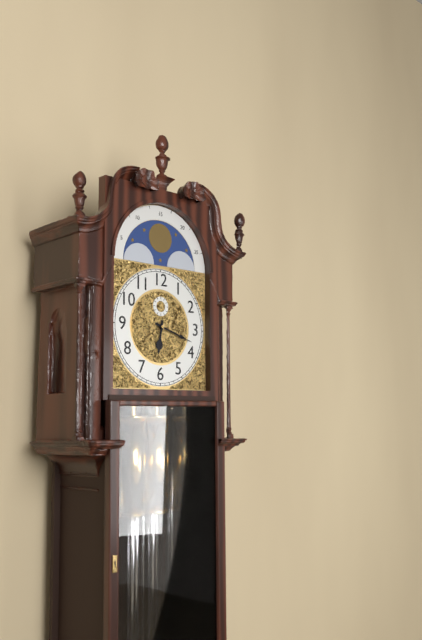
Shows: h=6 m=18
